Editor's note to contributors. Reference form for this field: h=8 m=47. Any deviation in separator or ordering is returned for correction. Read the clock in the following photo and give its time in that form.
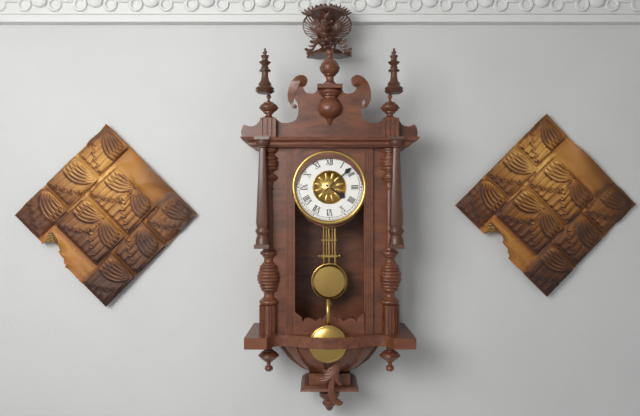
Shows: h=4 m=8
